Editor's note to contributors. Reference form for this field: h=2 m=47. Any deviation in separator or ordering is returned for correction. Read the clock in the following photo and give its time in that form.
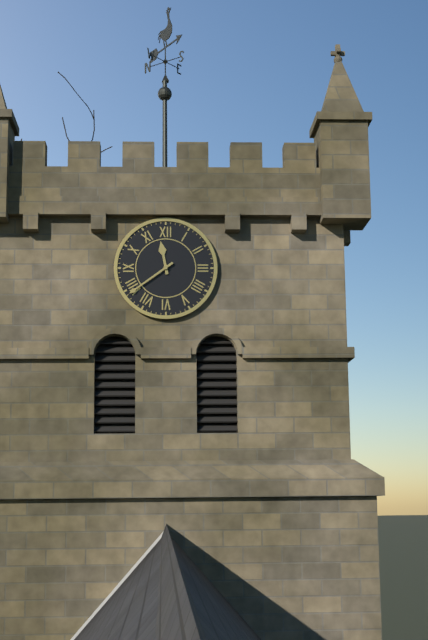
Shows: h=11 m=39
